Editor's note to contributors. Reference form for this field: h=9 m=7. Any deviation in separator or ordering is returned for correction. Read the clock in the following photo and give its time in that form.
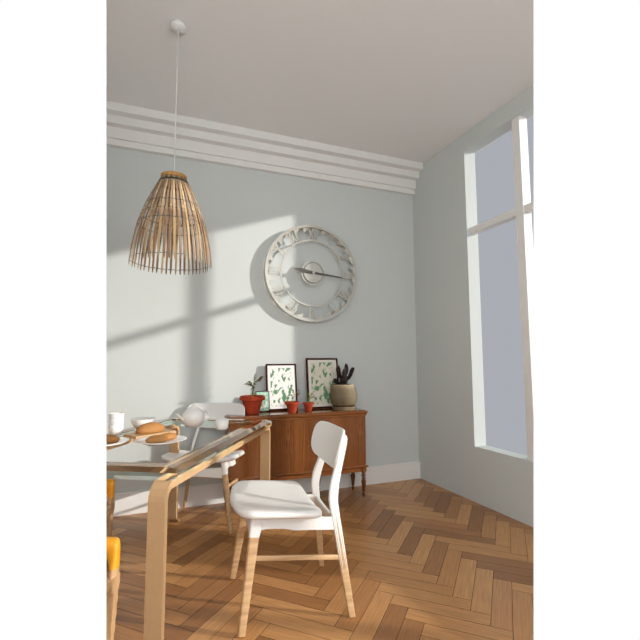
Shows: h=9 m=16
